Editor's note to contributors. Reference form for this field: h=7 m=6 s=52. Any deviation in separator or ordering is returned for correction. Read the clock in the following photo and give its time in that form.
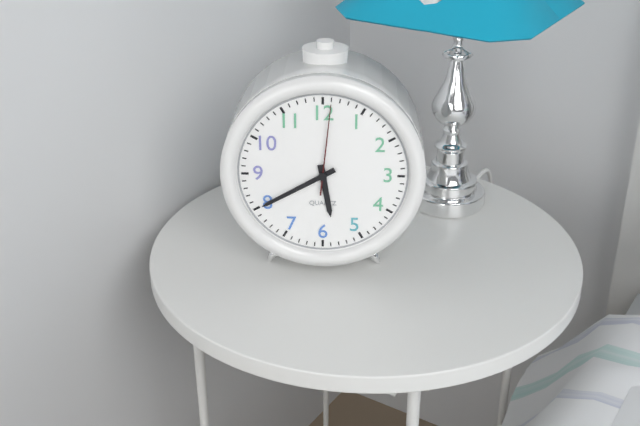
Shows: h=5 m=40 s=1
